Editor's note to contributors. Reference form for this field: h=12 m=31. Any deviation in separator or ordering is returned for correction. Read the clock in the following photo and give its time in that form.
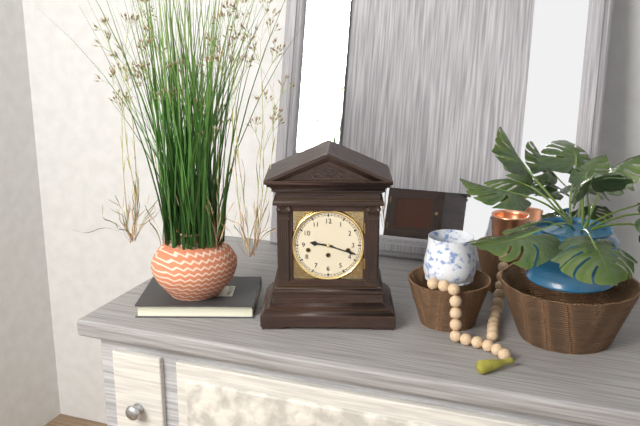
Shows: h=9 m=18
